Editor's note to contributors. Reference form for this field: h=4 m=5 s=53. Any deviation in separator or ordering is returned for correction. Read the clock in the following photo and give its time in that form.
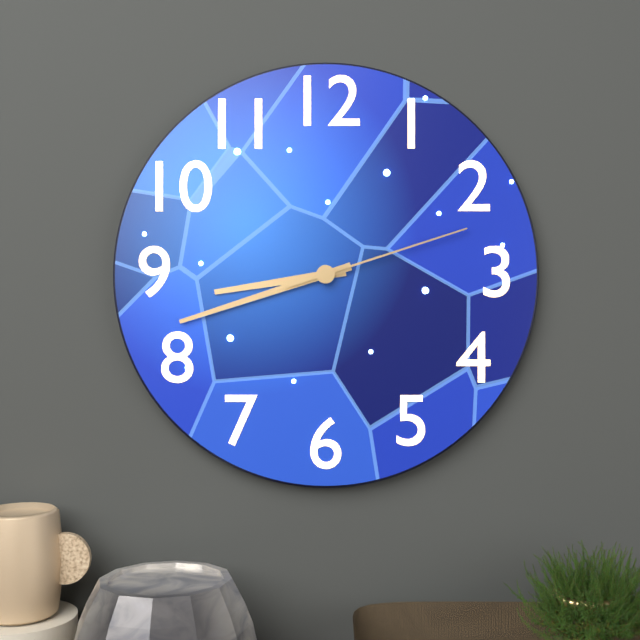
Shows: h=8 m=42 s=12
